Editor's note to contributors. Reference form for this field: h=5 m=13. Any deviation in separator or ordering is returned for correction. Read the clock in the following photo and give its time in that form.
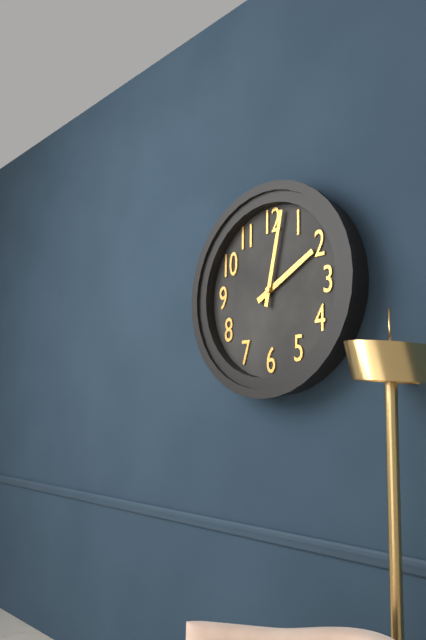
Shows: h=2 m=2
